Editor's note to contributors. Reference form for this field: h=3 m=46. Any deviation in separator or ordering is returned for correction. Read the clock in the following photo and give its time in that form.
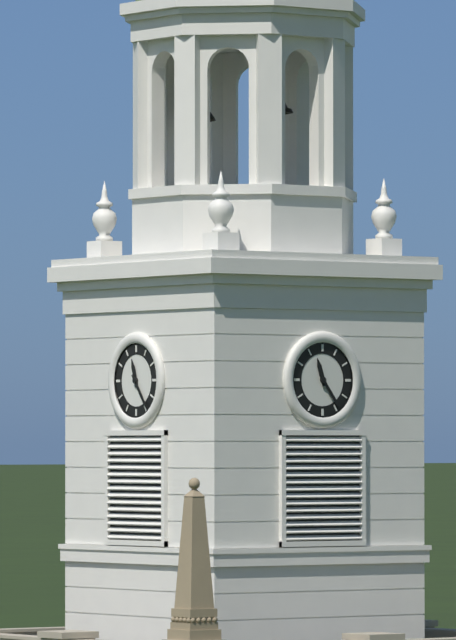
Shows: h=11 m=24
